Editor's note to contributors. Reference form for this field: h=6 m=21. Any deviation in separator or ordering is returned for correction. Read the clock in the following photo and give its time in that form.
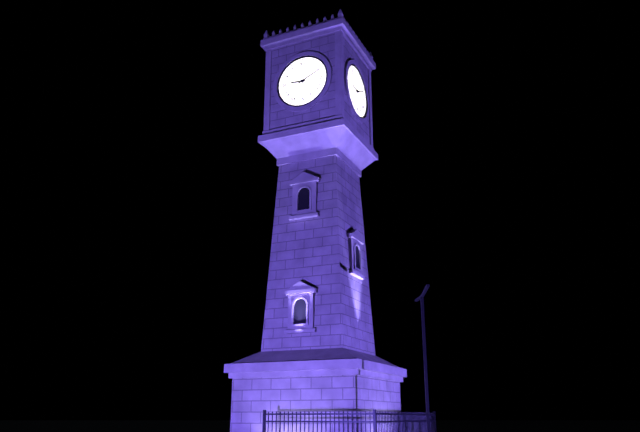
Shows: h=9 m=11
